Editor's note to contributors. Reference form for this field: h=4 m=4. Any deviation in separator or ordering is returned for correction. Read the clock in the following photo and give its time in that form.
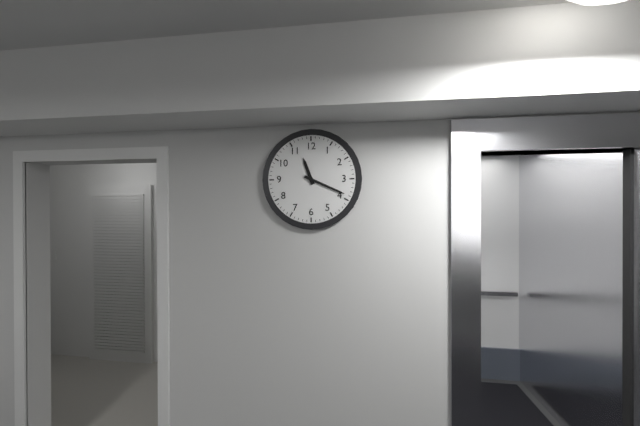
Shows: h=11 m=19
